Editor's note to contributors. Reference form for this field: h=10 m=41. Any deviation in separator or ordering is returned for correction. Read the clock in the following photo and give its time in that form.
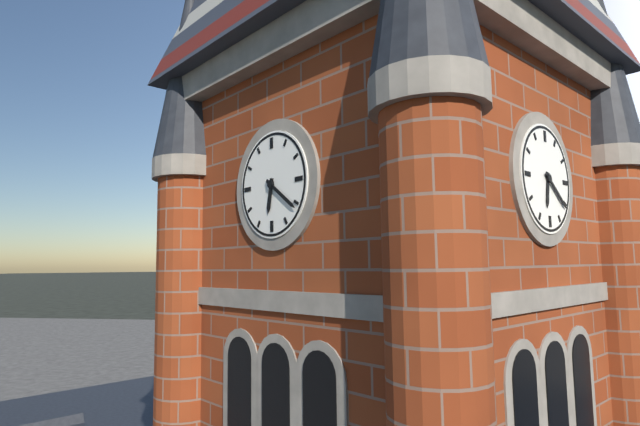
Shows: h=6 m=21
